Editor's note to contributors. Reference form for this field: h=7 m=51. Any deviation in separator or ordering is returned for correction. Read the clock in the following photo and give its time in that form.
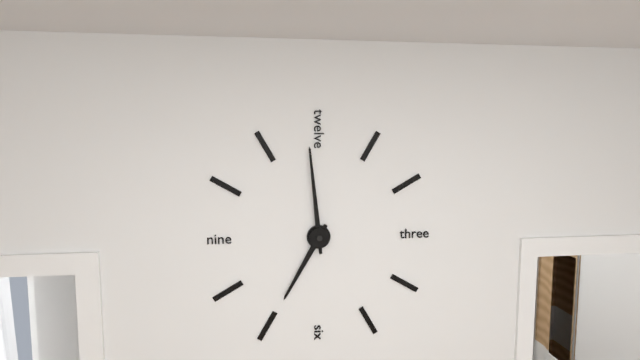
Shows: h=6 m=59
